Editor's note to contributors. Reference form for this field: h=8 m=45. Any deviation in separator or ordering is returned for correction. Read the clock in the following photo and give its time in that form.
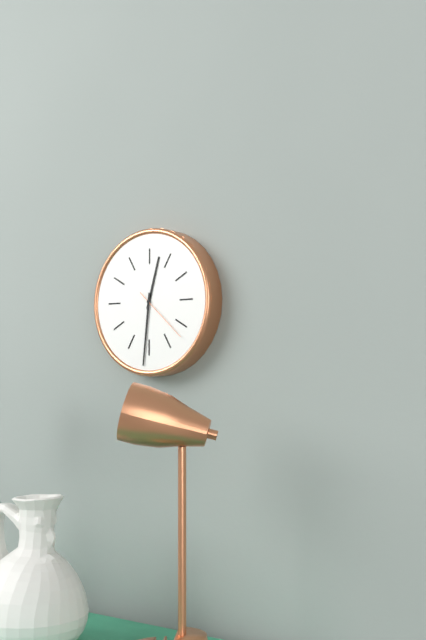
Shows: h=12 m=31
